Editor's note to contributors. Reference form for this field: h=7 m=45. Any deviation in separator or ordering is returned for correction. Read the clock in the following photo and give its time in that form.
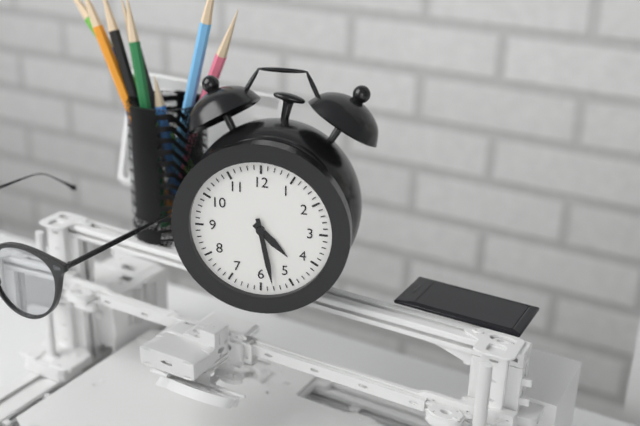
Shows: h=4 m=28
